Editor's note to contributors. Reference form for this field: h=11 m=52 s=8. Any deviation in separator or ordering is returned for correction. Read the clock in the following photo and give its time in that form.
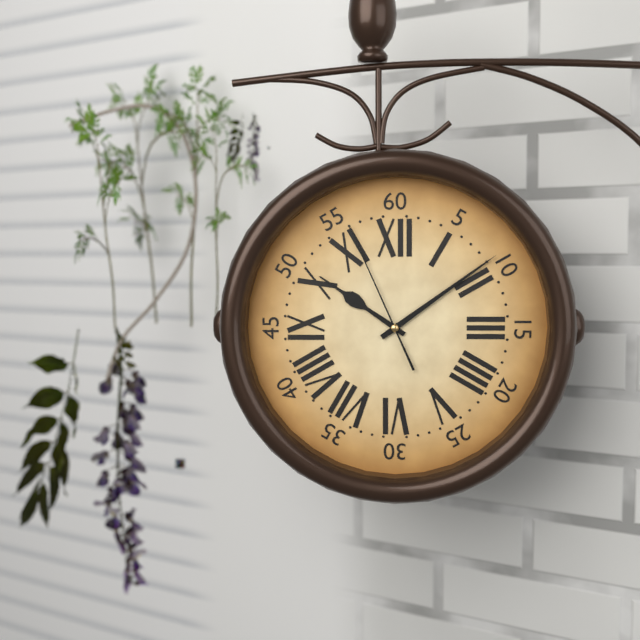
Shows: h=10 m=9 s=56
